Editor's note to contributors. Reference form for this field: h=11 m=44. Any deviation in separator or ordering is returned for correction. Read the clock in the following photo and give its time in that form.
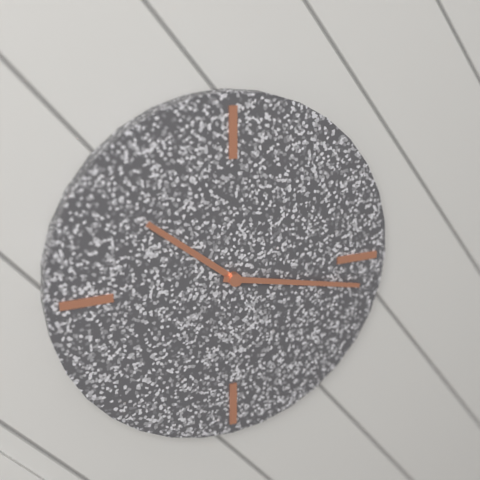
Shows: h=10 m=17
